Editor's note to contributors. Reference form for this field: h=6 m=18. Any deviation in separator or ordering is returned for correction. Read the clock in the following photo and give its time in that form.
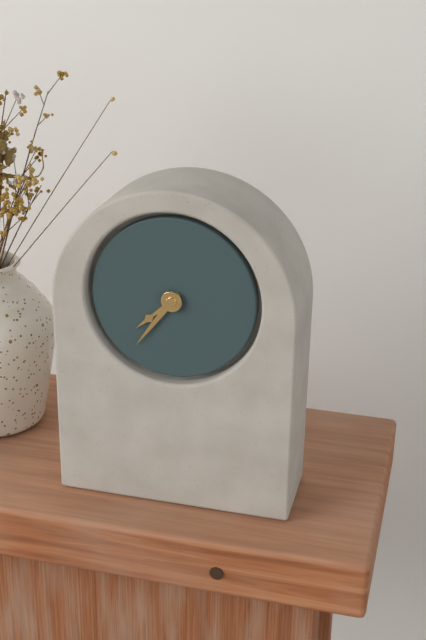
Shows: h=7 m=36
